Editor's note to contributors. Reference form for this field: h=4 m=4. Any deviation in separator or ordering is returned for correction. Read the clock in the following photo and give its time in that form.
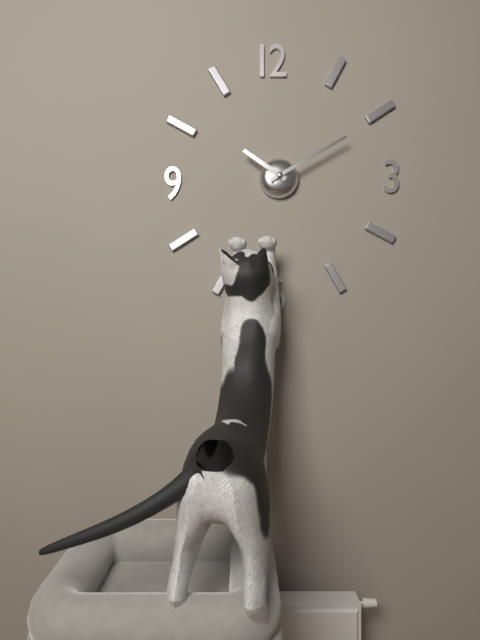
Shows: h=10 m=10
